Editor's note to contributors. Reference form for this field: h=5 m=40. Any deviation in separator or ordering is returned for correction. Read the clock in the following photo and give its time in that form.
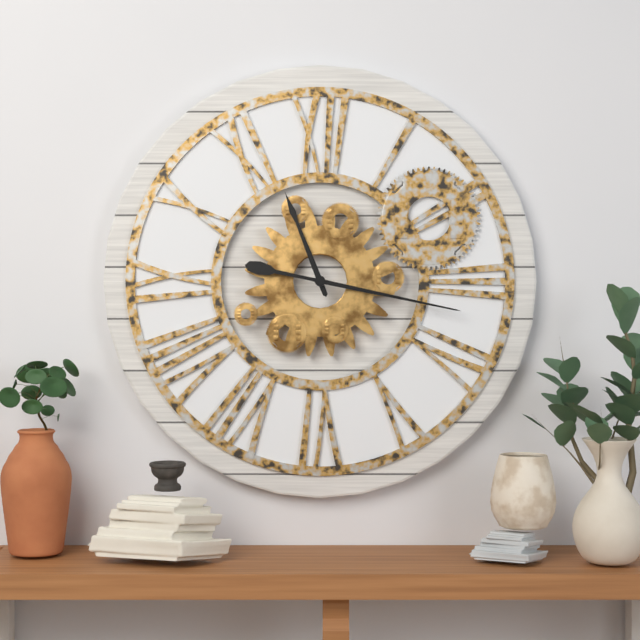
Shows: h=11 m=17
